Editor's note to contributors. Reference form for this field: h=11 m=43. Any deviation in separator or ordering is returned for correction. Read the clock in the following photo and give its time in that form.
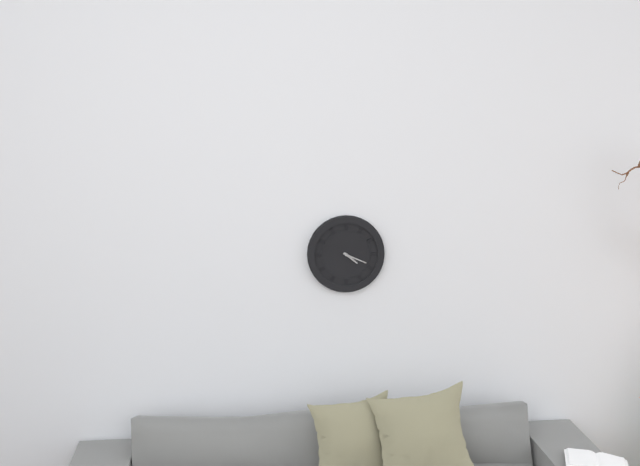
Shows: h=4 m=19
